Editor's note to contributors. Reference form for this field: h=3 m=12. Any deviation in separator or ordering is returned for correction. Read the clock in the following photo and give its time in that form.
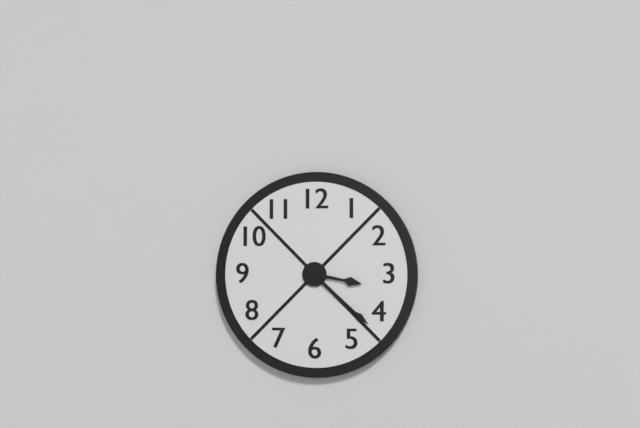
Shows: h=3 m=22
